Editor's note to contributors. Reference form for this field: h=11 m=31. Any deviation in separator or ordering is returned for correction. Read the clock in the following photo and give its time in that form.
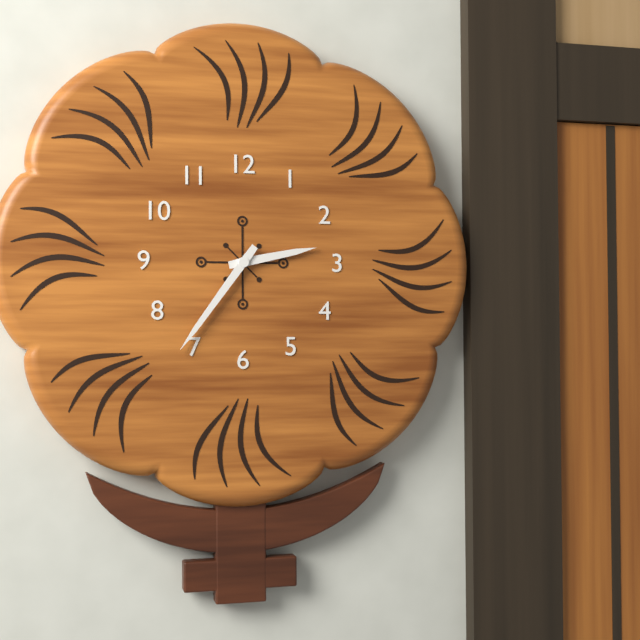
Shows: h=2 m=36
